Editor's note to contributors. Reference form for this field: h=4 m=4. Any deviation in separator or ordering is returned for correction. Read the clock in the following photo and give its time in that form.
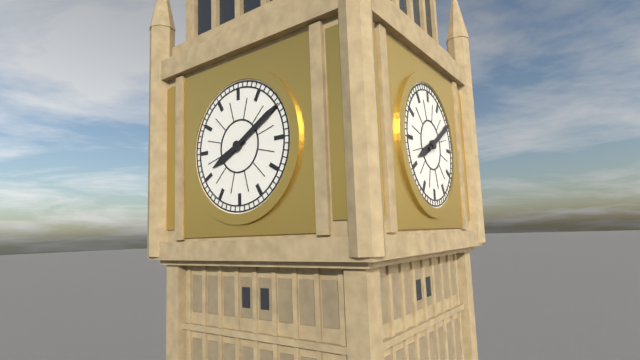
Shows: h=8 m=10
